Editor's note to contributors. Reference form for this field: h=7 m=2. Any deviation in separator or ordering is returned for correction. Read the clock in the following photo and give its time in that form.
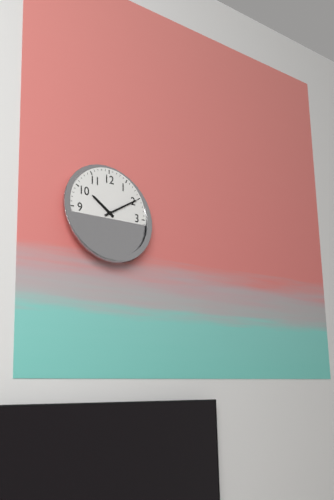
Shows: h=10 m=10
